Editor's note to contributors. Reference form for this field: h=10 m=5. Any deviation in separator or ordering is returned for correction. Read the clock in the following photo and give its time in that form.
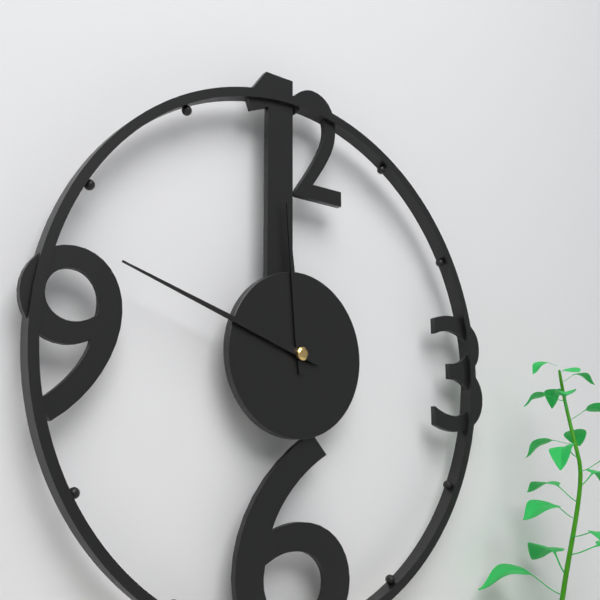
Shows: h=11 m=48
